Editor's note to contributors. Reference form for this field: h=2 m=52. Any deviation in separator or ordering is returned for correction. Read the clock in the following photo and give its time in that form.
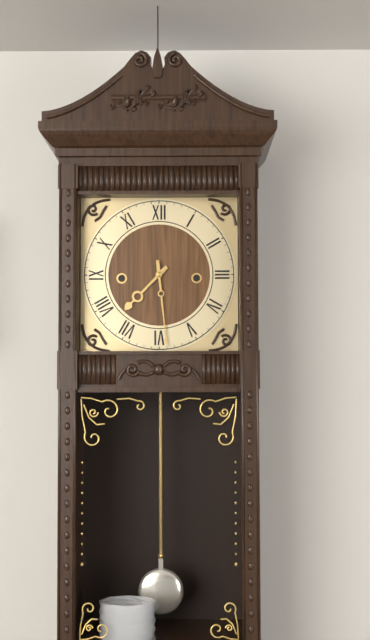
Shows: h=7 m=29
